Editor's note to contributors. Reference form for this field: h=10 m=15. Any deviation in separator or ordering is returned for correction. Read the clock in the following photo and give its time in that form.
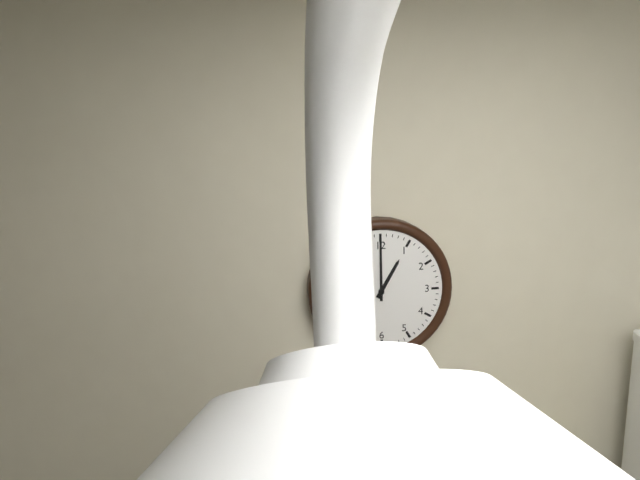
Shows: h=1 m=0
